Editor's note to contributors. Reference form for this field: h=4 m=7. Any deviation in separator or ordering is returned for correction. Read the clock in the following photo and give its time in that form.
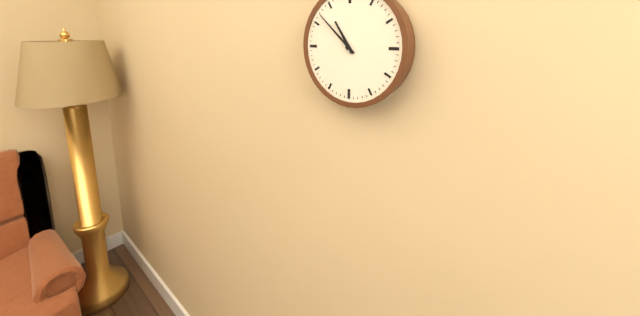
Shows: h=10 m=52
